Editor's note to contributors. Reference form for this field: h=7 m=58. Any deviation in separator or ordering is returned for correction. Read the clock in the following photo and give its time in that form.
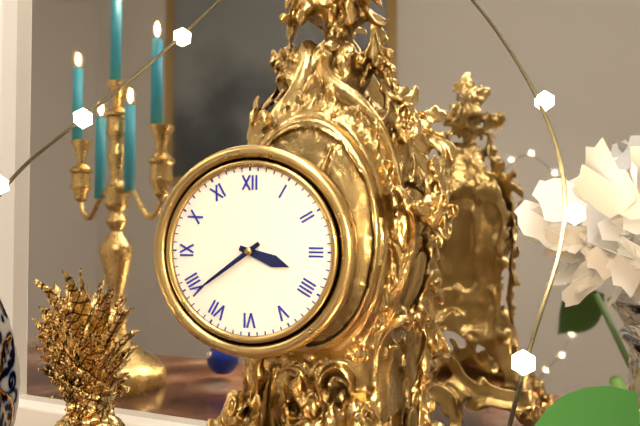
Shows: h=3 m=39
